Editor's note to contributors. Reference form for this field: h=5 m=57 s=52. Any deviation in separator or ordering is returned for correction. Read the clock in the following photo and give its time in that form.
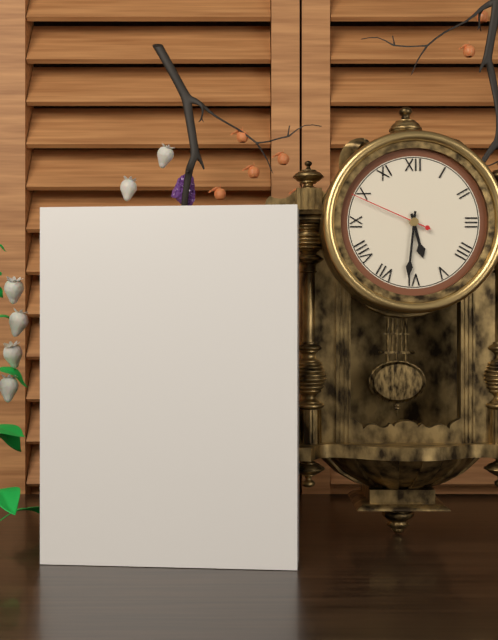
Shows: h=5 m=31 s=49
